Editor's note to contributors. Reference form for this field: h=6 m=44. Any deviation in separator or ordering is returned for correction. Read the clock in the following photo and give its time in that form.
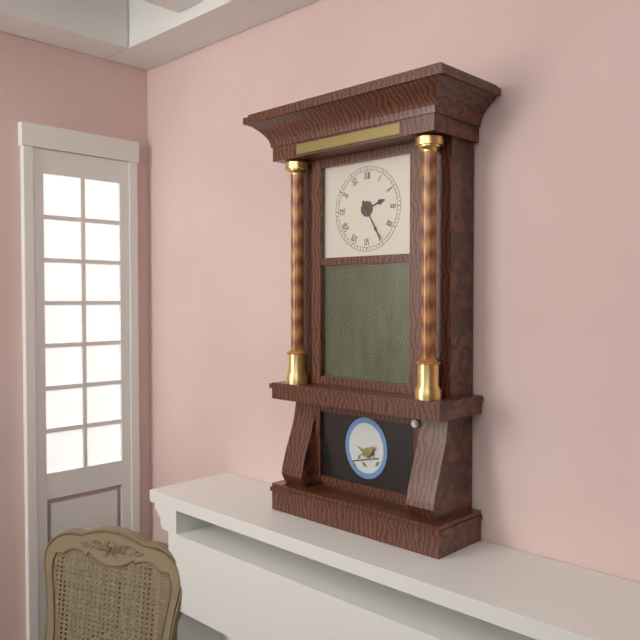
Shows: h=2 m=25
